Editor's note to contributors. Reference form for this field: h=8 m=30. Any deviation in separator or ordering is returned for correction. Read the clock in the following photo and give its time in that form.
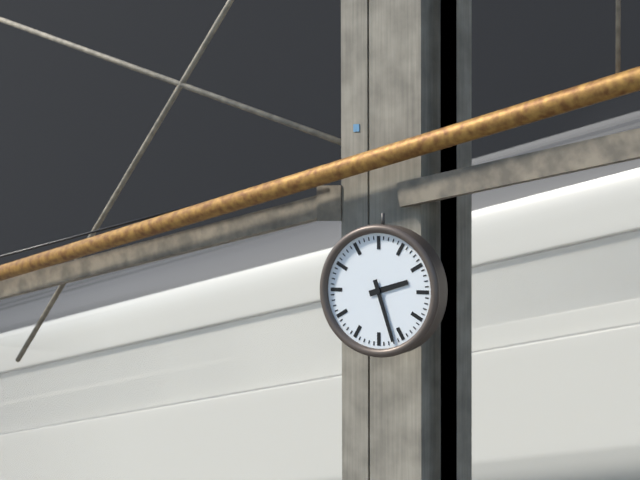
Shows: h=2 m=27
